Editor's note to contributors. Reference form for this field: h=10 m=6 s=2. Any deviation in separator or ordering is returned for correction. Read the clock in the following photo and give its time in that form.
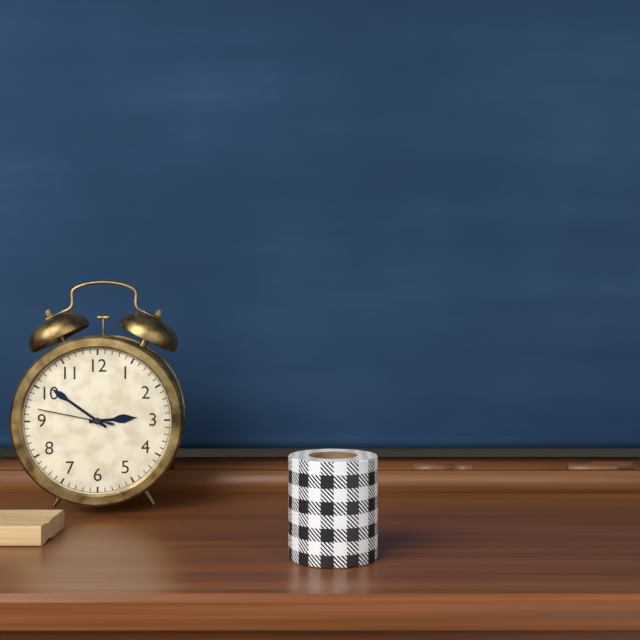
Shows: h=2 m=51 s=47
